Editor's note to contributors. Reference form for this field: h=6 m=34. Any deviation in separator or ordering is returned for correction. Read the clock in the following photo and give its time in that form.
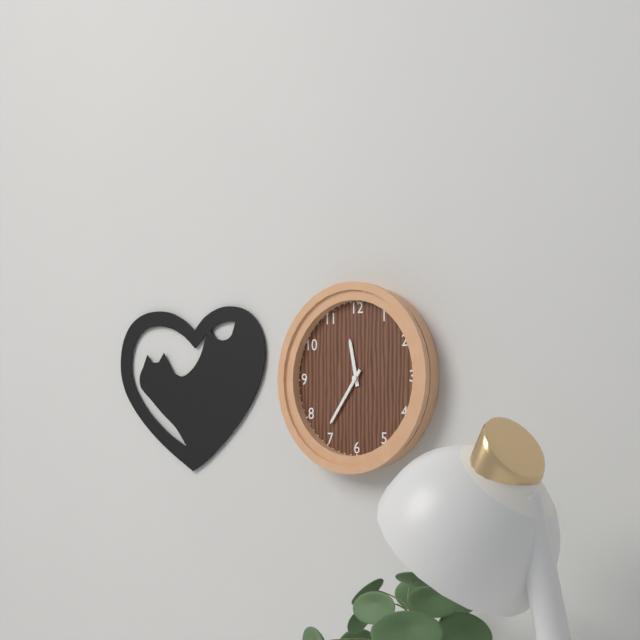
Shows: h=11 m=36
